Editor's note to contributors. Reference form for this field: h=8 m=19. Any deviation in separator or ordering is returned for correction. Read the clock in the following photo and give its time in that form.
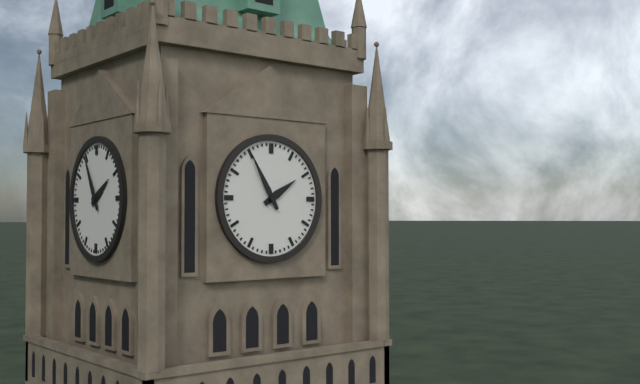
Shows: h=1 m=55
